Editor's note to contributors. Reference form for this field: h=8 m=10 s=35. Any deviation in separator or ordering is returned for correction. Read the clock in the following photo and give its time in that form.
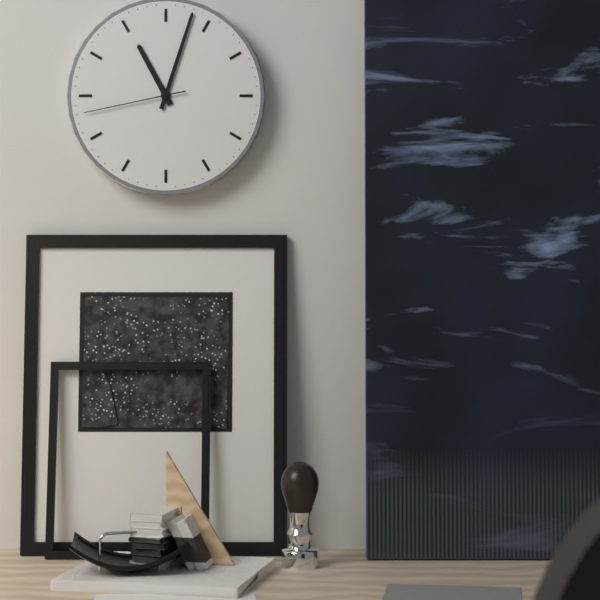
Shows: h=11 m=3 s=43
